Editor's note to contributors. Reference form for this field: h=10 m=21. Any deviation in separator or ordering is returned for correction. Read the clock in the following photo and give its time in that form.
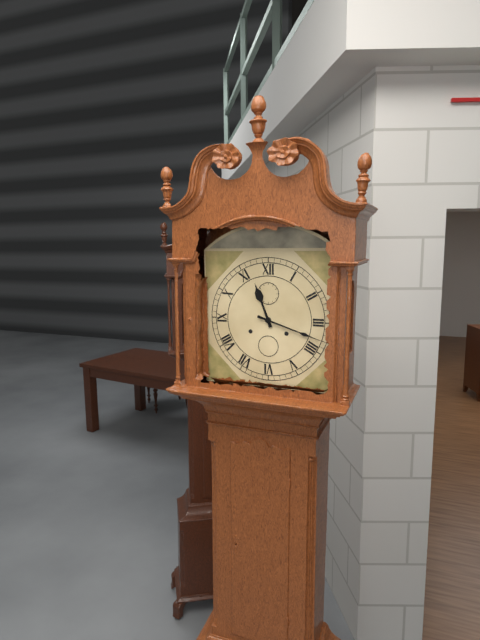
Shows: h=11 m=18
